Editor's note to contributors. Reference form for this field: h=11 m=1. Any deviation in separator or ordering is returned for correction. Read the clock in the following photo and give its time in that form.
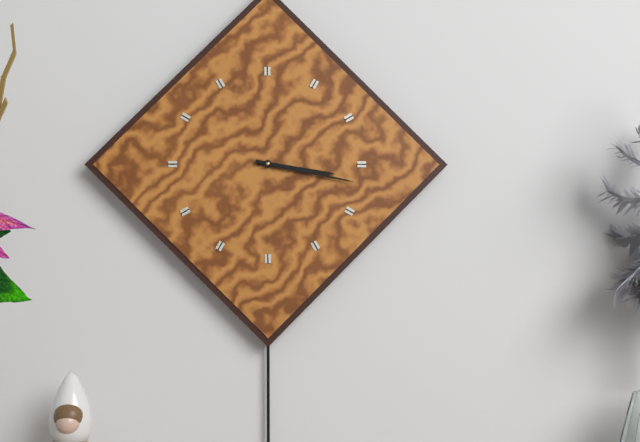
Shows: h=3 m=17
